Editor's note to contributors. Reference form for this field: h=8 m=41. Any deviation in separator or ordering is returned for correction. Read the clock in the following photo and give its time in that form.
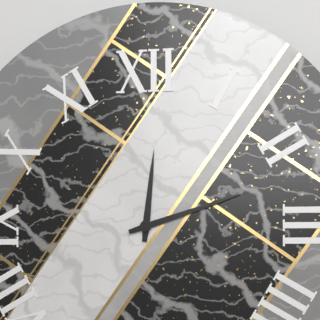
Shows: h=12 m=12
